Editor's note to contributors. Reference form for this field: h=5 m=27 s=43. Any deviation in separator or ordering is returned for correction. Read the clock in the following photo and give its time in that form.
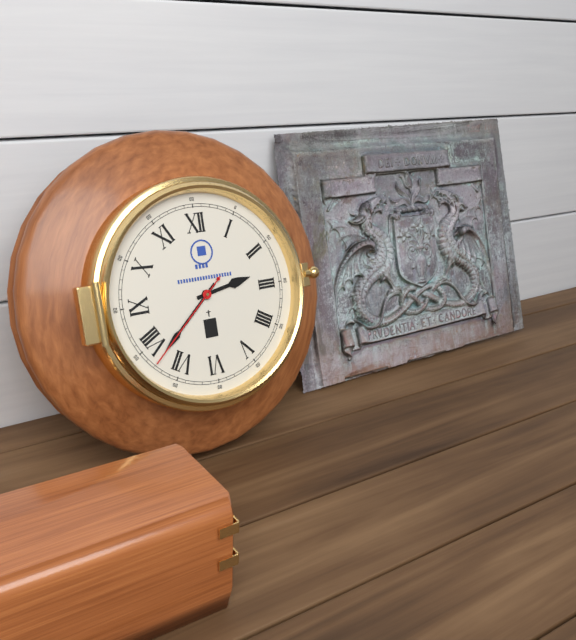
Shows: h=2 m=38 s=38
